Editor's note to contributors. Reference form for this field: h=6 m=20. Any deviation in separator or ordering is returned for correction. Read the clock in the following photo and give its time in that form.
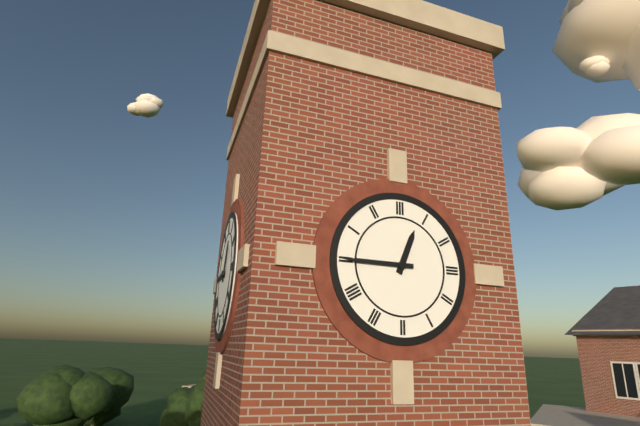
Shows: h=12 m=45
